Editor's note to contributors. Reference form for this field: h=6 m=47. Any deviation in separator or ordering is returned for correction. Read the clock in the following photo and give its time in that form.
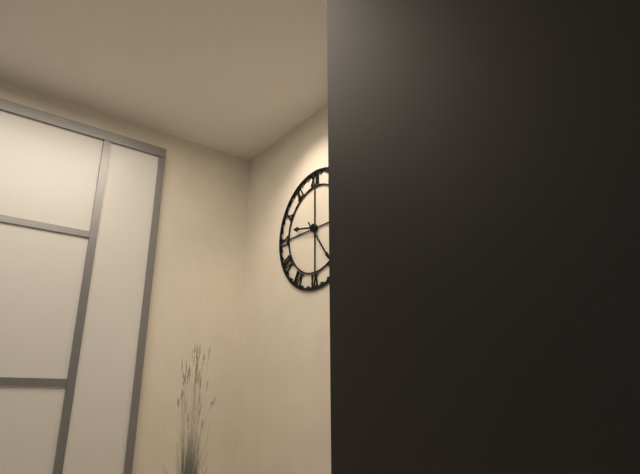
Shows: h=9 m=24
